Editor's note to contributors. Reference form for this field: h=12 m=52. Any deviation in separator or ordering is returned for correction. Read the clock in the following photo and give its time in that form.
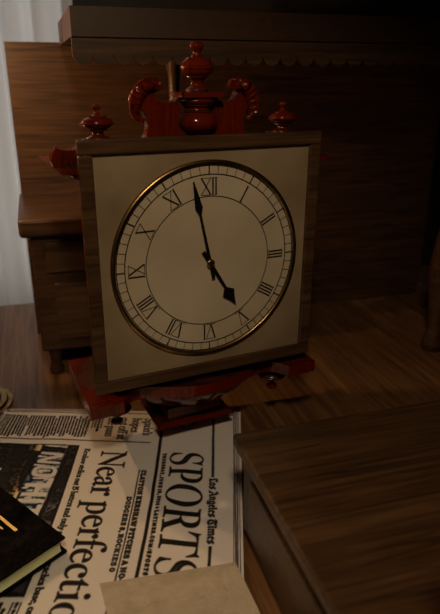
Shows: h=4 m=58
